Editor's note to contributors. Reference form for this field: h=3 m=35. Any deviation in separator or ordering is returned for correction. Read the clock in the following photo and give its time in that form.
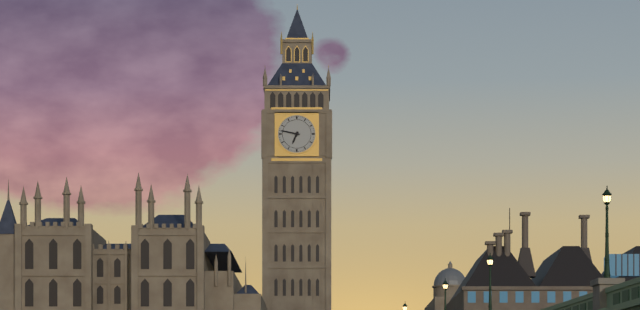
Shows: h=6 m=47
